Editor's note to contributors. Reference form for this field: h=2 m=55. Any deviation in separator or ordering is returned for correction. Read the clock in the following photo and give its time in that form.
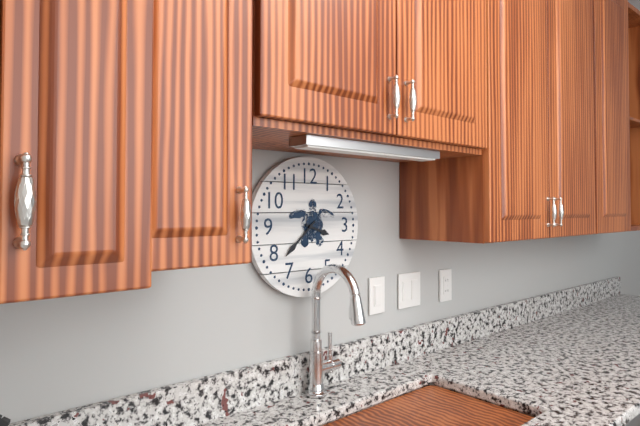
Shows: h=3 m=38
